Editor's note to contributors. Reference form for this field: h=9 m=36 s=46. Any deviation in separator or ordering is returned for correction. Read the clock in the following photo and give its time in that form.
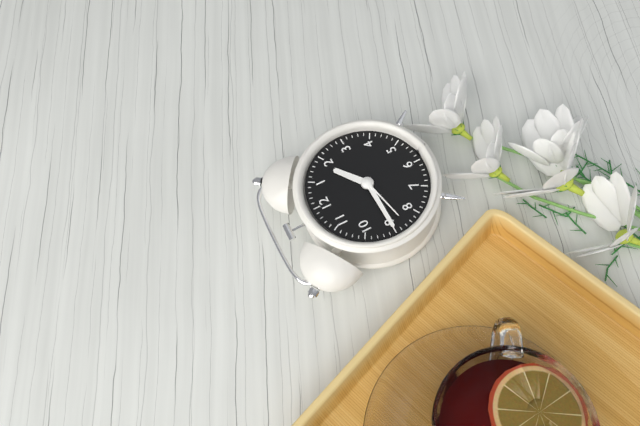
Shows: h=1 m=45 s=43
